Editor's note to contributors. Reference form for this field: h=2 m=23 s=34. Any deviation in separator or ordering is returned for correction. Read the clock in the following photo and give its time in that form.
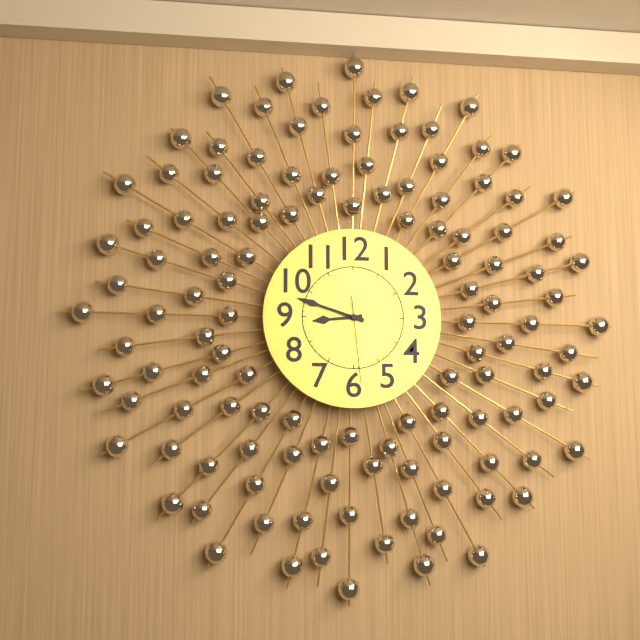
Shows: h=8 m=48 s=29
